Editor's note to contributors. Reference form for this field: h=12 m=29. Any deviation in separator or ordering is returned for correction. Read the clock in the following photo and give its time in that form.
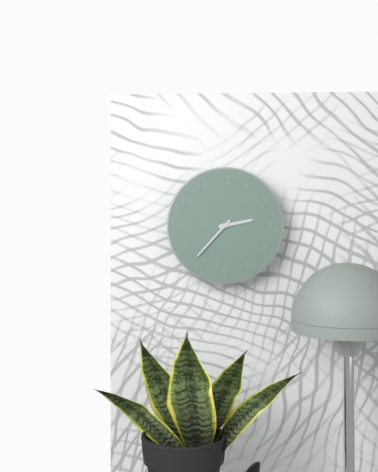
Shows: h=2 m=37
